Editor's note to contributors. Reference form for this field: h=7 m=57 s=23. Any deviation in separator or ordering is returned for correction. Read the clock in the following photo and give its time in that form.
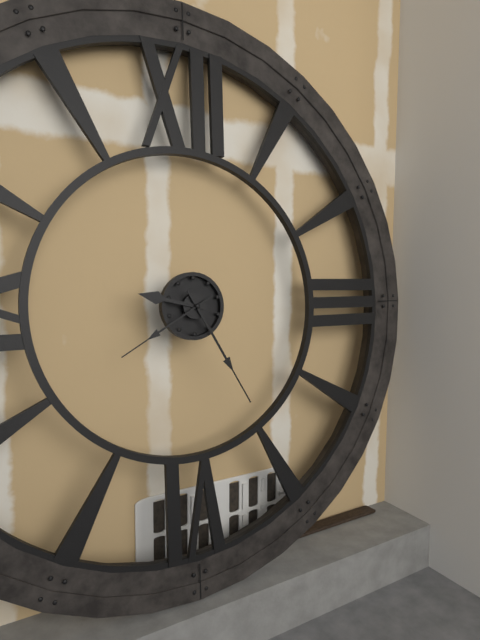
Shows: h=9 m=25 s=40
